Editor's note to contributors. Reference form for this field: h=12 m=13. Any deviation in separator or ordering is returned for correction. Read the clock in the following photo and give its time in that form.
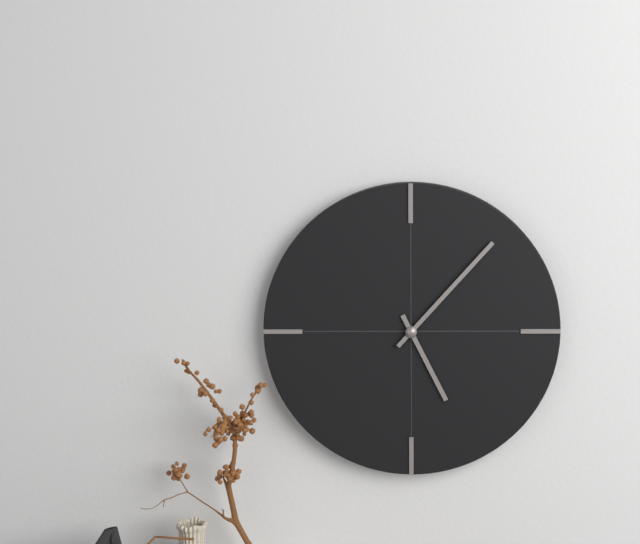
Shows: h=5 m=7
